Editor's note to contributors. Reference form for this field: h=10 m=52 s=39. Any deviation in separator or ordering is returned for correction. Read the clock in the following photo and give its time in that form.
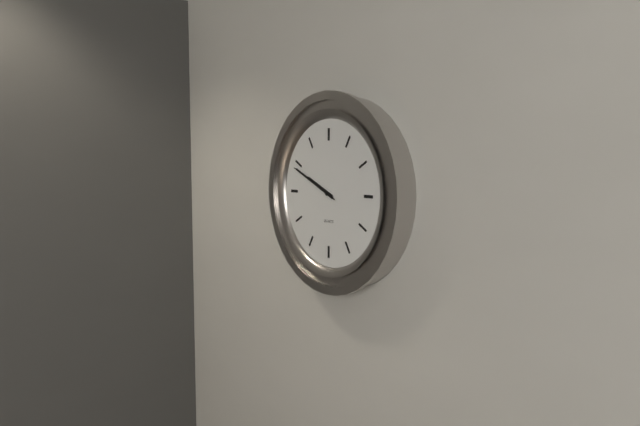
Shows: h=9 m=49 s=49
